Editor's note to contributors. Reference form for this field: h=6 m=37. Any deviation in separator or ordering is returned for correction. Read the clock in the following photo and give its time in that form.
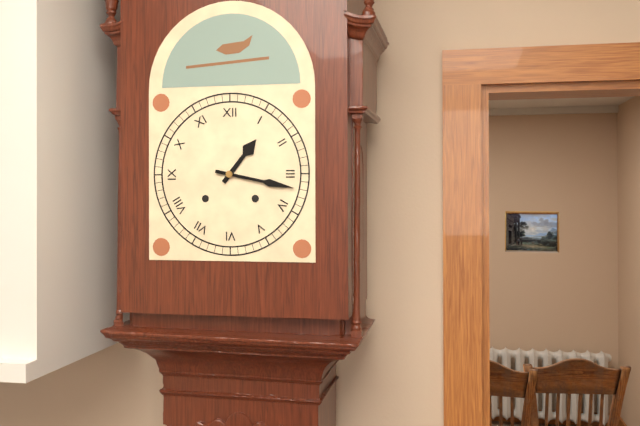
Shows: h=1 m=17
